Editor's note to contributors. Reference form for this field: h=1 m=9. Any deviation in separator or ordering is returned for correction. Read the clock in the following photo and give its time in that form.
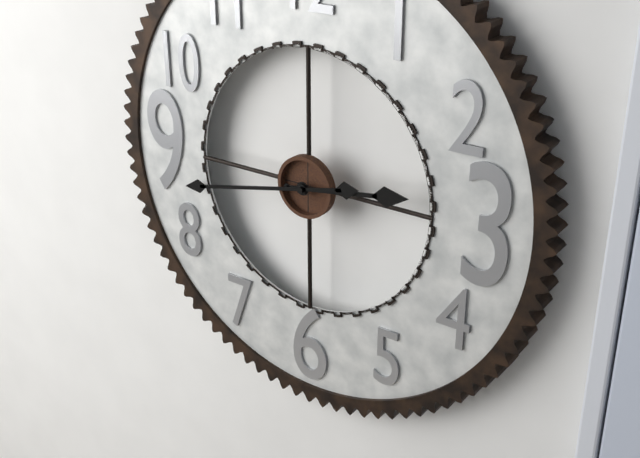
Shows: h=2 m=43
